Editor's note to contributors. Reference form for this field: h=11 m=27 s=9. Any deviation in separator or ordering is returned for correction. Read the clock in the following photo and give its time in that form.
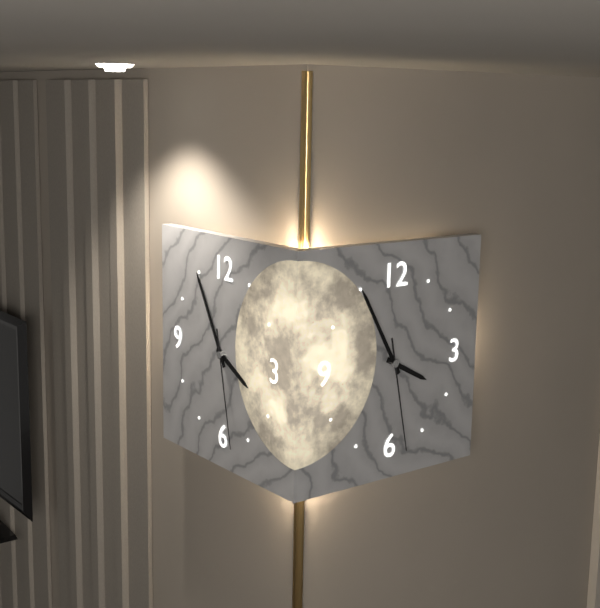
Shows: h=3 m=55 s=28
